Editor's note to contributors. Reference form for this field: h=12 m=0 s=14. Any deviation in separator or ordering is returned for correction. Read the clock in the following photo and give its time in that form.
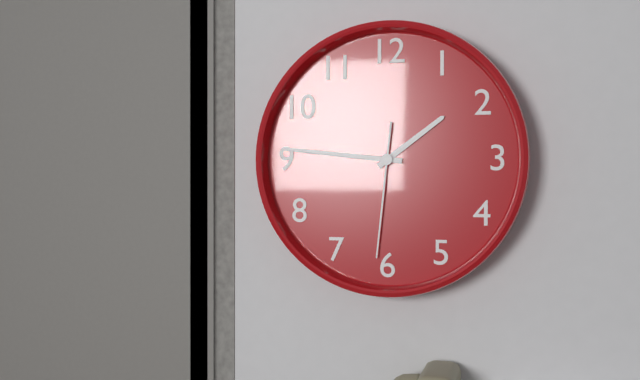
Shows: h=1 m=46 s=31
